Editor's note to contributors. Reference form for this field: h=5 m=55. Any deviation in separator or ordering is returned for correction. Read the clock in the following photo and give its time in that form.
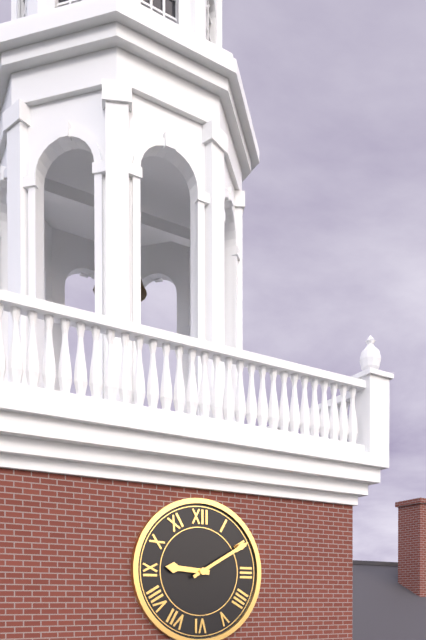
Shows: h=9 m=10
